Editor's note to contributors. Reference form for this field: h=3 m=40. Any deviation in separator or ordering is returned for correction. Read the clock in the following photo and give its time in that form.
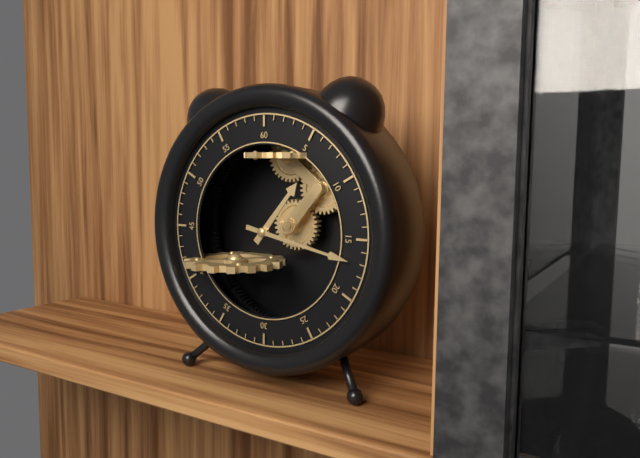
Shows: h=1 m=17
